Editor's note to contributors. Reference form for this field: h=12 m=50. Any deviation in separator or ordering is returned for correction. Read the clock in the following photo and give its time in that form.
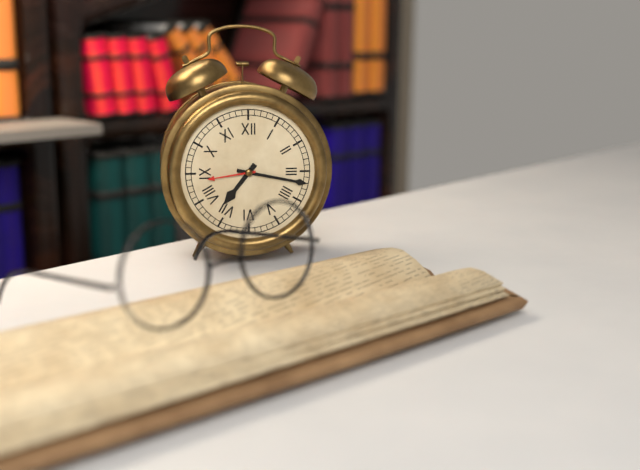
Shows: h=7 m=17
